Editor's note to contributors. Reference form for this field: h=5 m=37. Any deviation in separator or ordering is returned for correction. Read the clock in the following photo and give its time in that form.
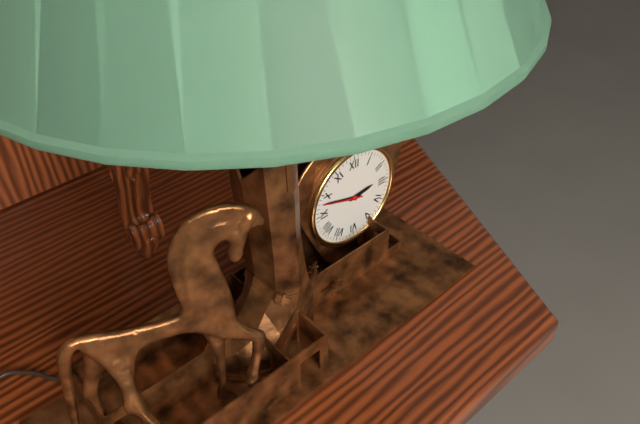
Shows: h=2 m=48
